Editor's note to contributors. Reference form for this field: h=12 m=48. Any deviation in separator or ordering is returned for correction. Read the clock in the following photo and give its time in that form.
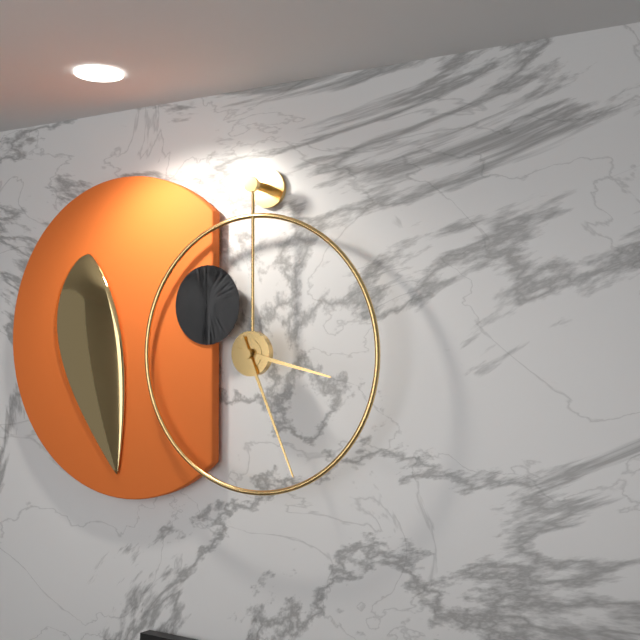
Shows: h=3 m=26
